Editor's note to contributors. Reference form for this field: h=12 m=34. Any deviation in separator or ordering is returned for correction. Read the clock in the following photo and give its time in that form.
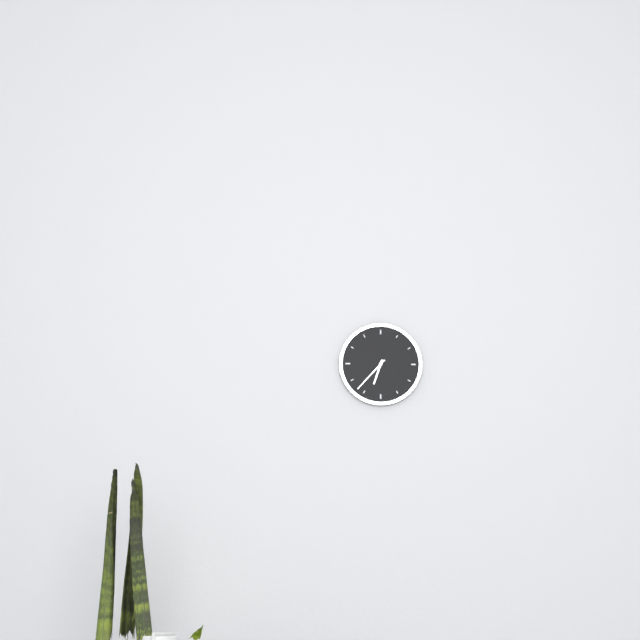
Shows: h=6 m=37
